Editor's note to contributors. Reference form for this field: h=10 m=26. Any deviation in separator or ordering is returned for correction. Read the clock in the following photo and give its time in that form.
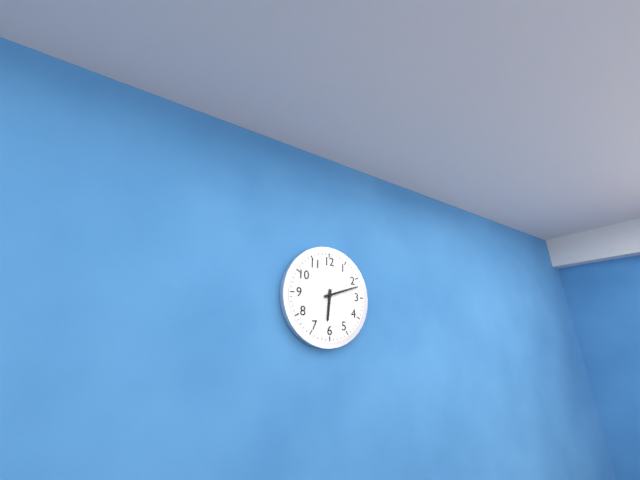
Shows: h=6 m=12
